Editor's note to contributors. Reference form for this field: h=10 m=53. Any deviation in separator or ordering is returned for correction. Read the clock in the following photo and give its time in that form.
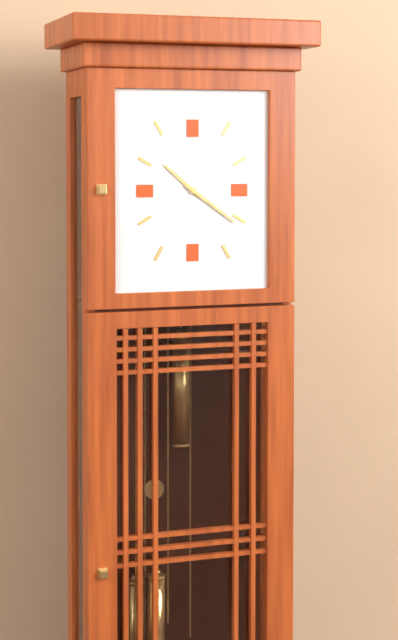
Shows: h=10 m=21
